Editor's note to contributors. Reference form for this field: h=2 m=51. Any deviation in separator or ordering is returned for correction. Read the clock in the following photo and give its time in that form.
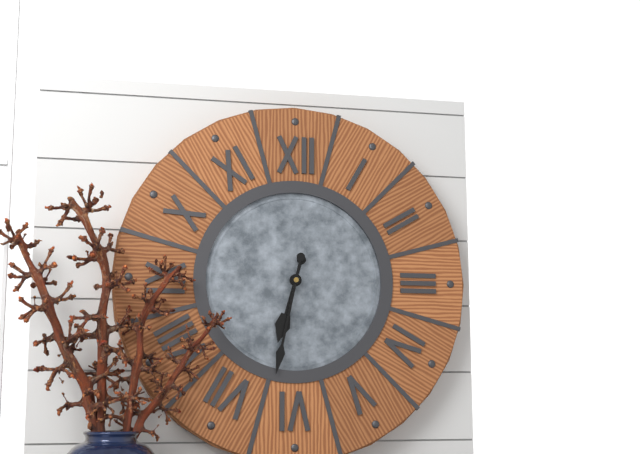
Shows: h=6 m=32
